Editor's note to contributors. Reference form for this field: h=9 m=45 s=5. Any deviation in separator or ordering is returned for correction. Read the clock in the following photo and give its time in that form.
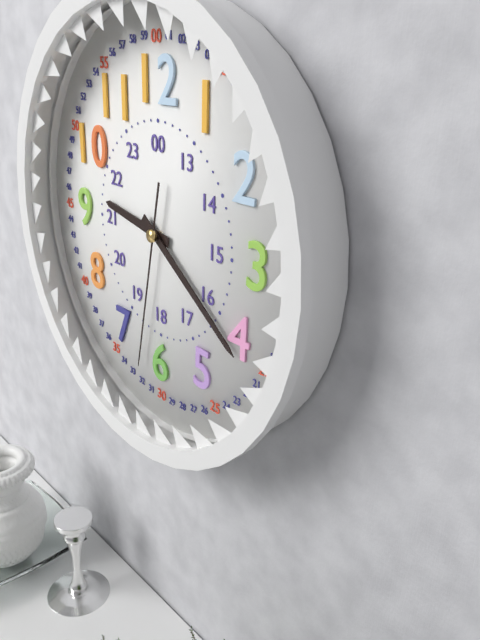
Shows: h=9 m=21 s=32
